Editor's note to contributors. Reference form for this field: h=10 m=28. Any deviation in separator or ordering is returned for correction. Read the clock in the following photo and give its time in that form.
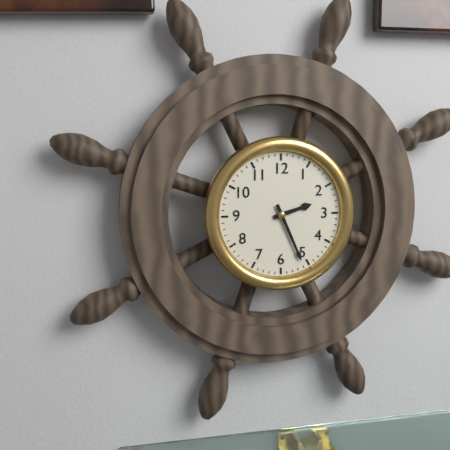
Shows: h=2 m=26
